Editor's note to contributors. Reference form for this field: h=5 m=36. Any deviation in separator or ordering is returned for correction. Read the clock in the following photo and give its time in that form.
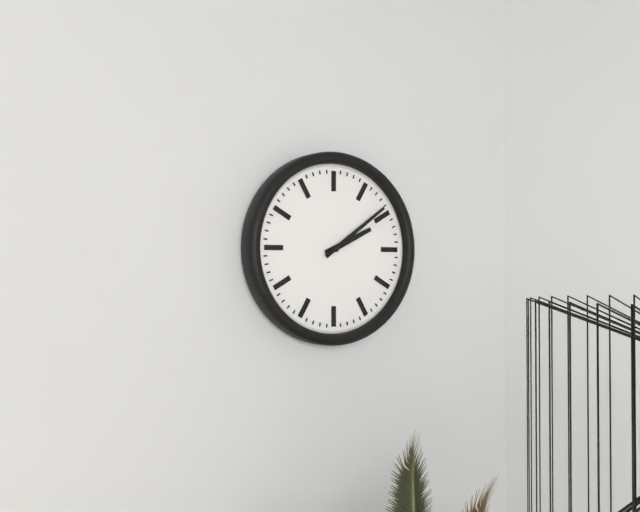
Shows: h=2 m=9
